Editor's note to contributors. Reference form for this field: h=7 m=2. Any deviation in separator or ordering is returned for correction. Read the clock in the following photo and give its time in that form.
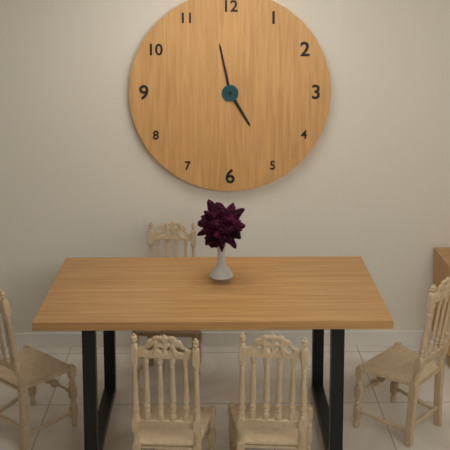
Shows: h=4 m=58
